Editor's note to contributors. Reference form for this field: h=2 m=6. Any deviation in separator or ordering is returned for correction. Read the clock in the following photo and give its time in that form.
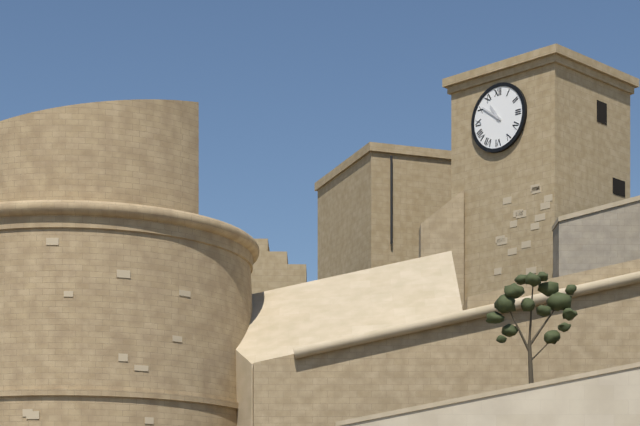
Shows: h=10 m=51
